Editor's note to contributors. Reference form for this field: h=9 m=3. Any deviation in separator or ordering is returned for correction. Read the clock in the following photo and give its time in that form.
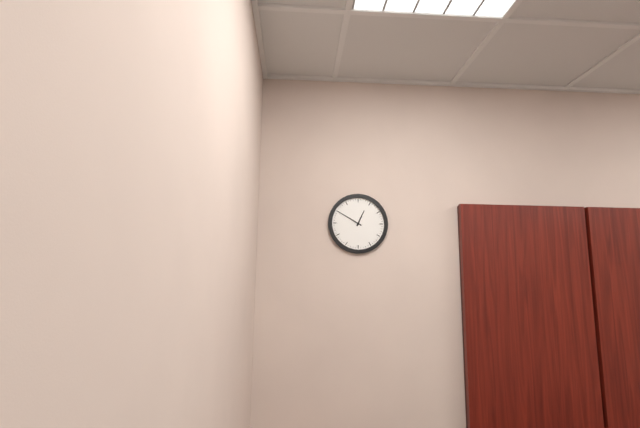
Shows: h=12 m=50
